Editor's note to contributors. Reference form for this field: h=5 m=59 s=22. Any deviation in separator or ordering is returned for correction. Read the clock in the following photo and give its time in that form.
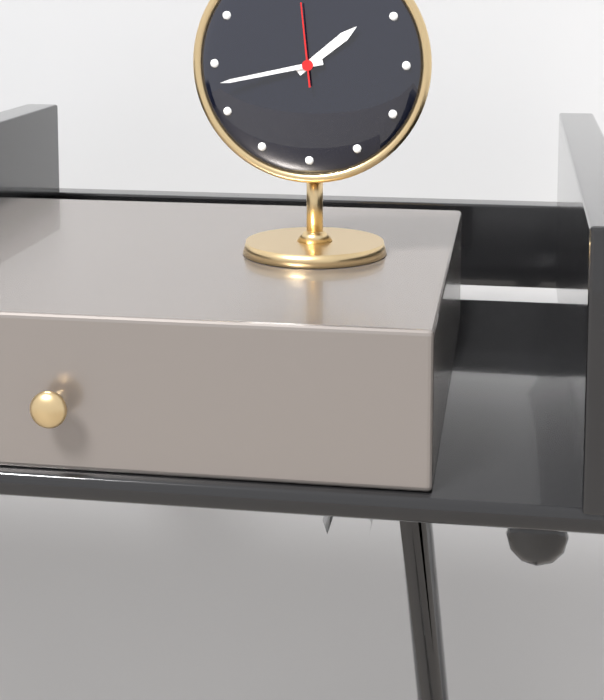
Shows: h=1 m=43 s=59
